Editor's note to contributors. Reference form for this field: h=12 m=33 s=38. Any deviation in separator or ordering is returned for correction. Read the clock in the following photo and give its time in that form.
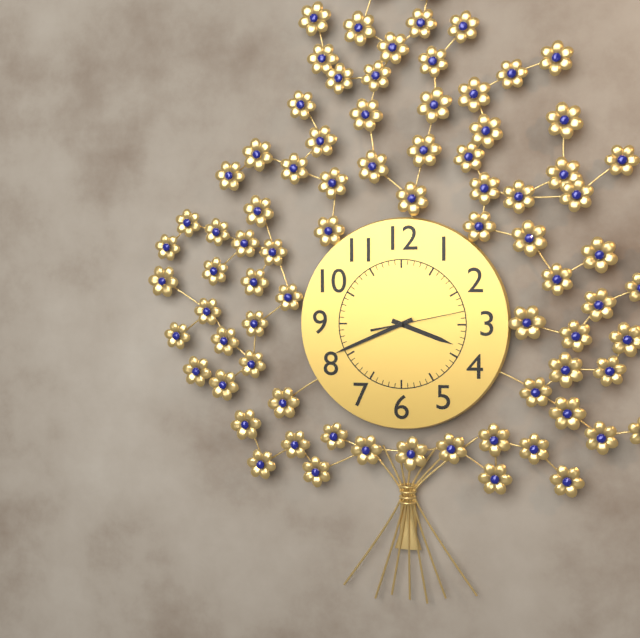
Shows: h=3 m=41 s=13
